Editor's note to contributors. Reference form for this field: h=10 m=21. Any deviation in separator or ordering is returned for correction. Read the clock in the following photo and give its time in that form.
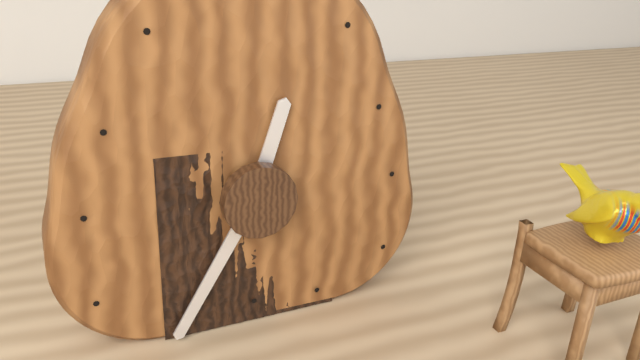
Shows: h=12 m=35
